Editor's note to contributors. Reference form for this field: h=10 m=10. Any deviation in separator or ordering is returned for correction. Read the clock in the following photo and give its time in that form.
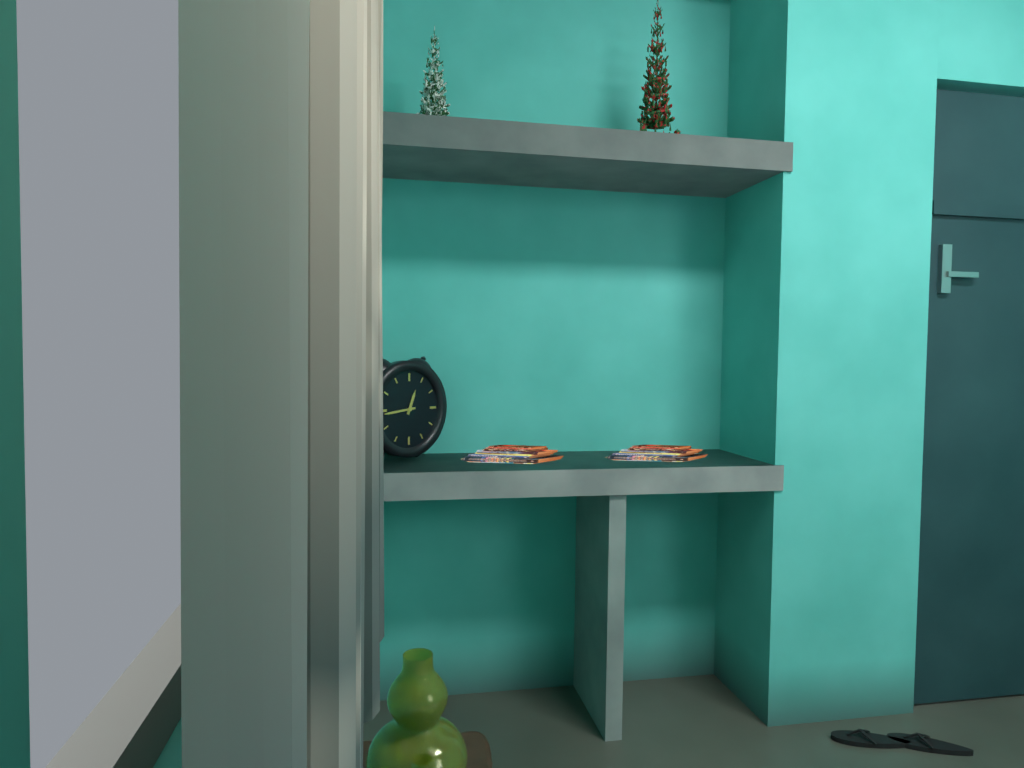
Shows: h=12 m=44
